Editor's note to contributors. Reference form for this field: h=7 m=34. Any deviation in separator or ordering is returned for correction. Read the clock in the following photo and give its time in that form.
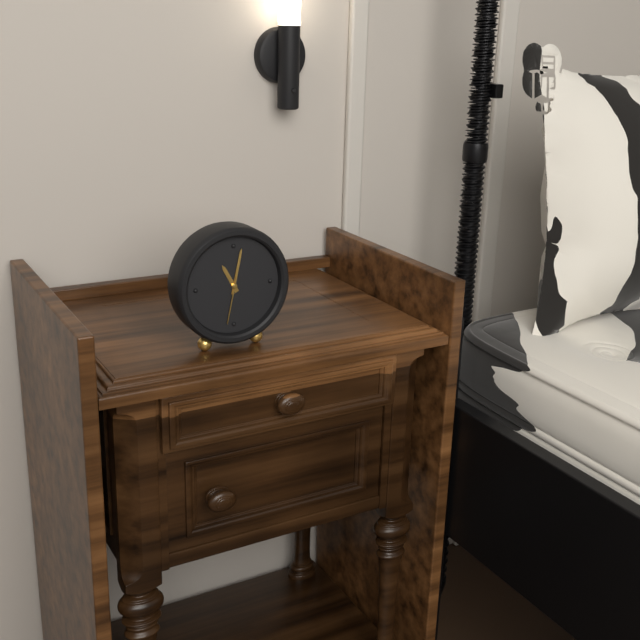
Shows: h=11 m=2
